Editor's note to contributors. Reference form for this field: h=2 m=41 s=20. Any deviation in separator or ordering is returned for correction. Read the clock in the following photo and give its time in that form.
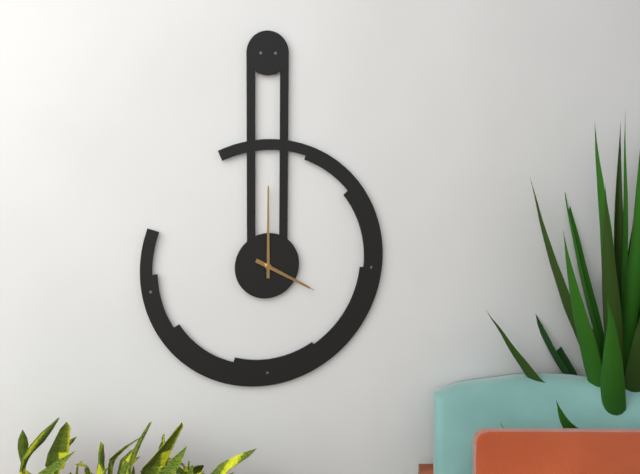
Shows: h=4 m=0 s=20
